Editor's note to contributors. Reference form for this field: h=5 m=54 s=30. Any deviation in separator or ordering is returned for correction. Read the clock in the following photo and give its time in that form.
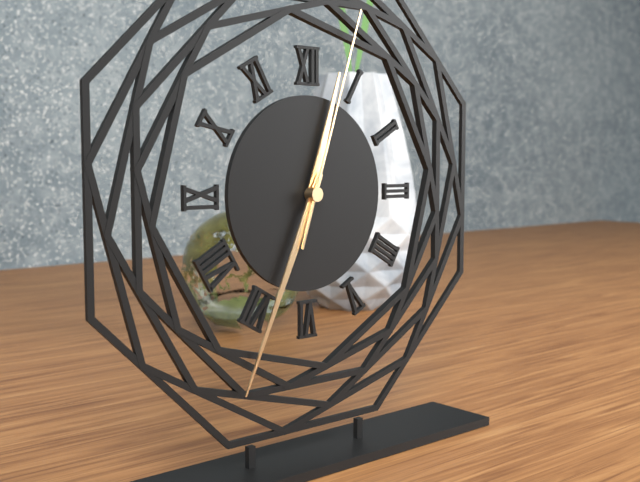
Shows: h=12 m=34 s=3
